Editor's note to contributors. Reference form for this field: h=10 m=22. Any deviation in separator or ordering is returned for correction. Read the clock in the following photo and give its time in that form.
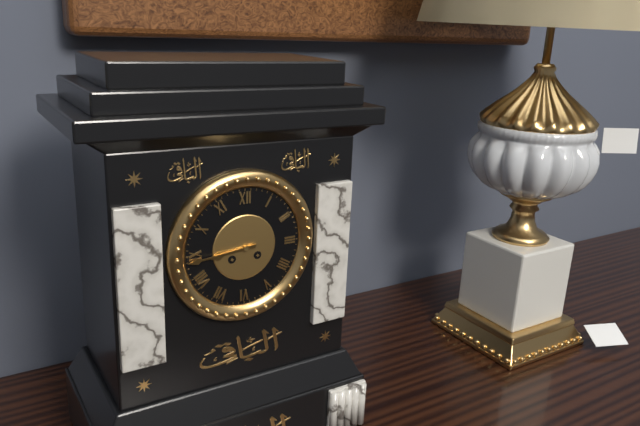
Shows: h=8 m=44
